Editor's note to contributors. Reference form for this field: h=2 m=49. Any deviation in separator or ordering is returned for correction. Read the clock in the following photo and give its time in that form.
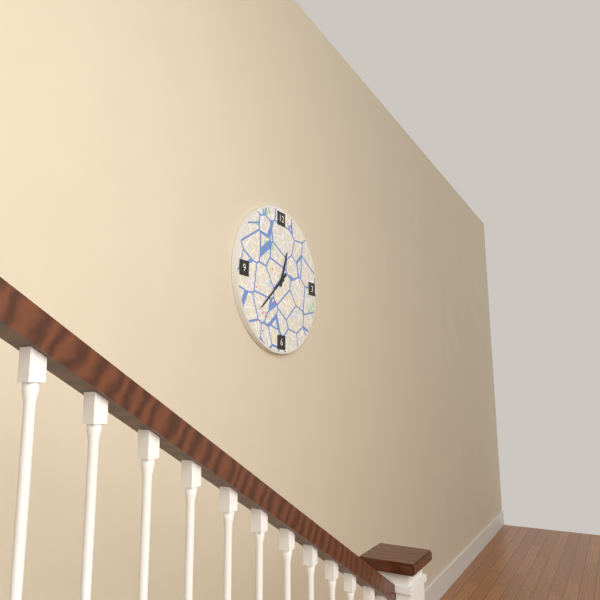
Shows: h=12 m=38
